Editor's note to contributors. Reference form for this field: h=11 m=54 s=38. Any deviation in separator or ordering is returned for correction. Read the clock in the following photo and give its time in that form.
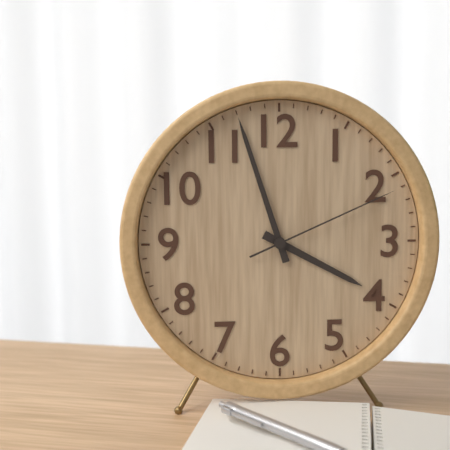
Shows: h=3 m=57 s=11
